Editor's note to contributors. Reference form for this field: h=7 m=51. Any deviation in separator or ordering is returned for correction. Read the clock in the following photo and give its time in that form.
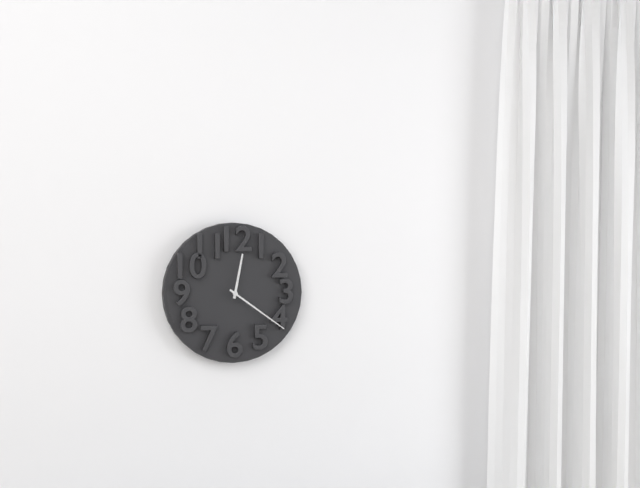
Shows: h=12 m=21
